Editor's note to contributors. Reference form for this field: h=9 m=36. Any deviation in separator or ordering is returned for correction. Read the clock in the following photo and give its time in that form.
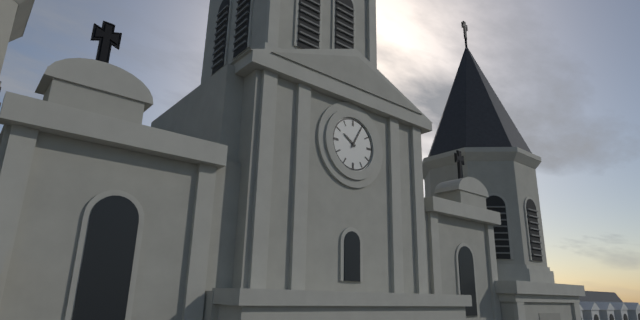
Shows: h=10 m=5
